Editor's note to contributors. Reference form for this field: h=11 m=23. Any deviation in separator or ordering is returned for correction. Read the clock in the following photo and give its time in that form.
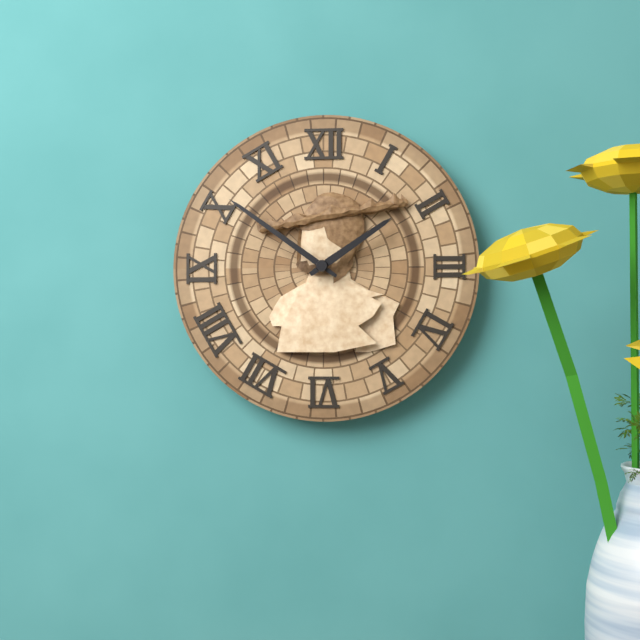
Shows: h=1 m=51
